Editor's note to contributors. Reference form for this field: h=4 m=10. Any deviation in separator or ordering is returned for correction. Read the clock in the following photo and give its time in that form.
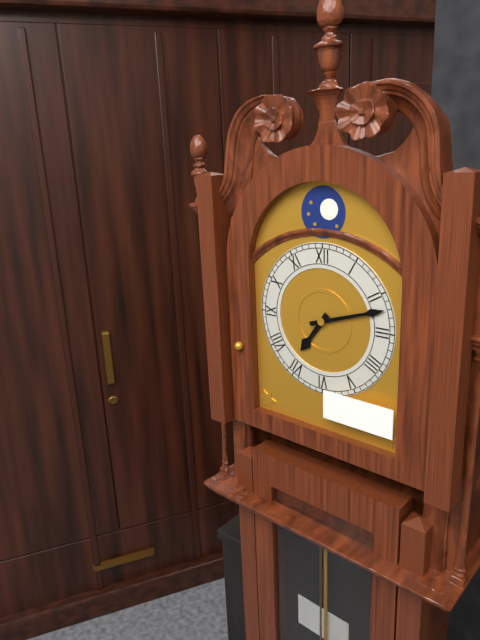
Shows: h=7 m=12
